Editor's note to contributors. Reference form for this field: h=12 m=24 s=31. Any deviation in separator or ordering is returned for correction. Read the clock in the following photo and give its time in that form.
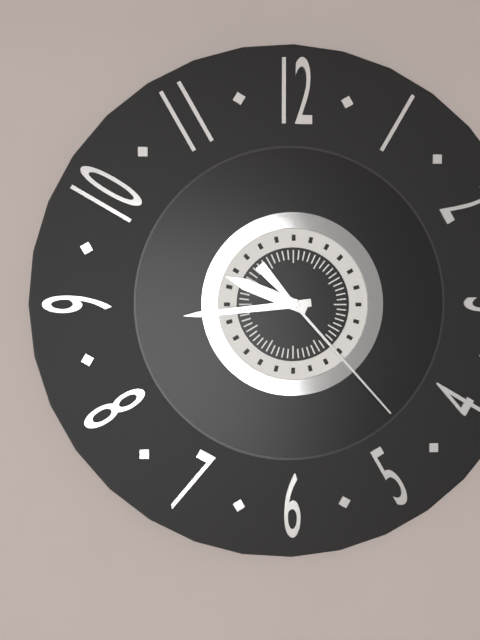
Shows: h=9 m=44 s=23
